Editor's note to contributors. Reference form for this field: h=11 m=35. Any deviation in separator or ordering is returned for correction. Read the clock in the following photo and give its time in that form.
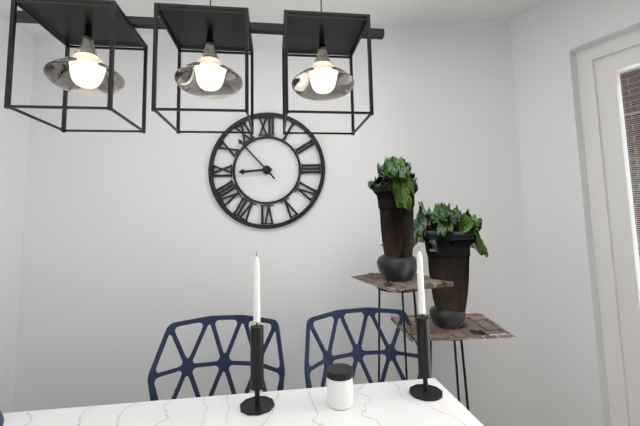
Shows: h=8 m=53
